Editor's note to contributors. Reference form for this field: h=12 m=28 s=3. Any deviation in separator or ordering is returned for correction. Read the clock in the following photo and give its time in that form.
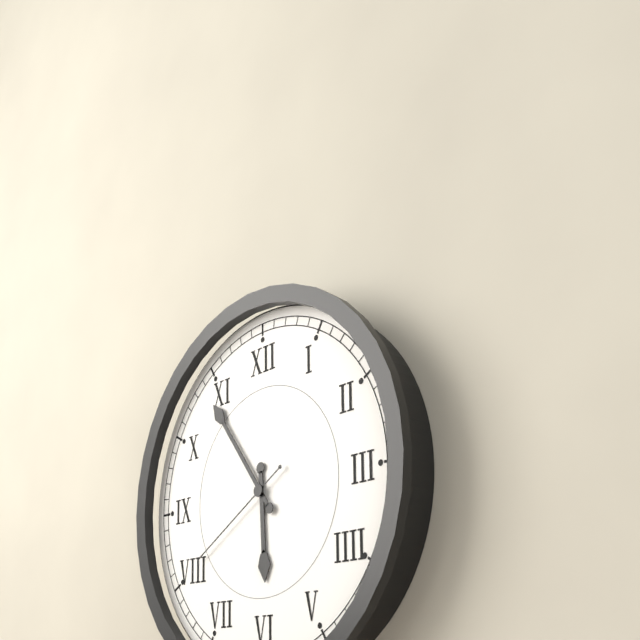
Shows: h=5 m=54 s=40
